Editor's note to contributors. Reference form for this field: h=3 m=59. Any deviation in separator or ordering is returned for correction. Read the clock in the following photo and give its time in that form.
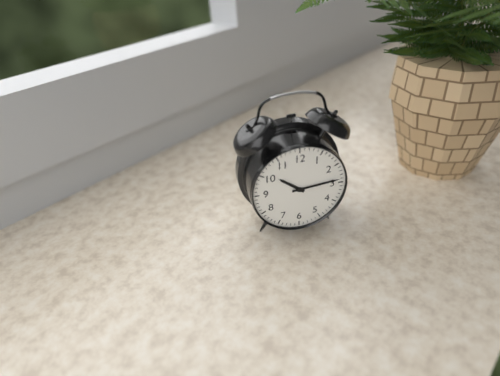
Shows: h=10 m=14
